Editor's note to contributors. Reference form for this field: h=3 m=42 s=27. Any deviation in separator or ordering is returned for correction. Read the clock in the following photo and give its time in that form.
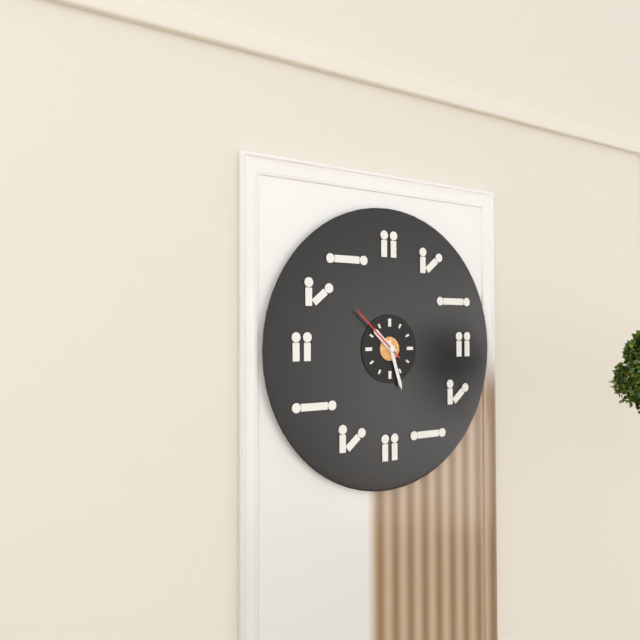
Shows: h=10 m=27 s=52
